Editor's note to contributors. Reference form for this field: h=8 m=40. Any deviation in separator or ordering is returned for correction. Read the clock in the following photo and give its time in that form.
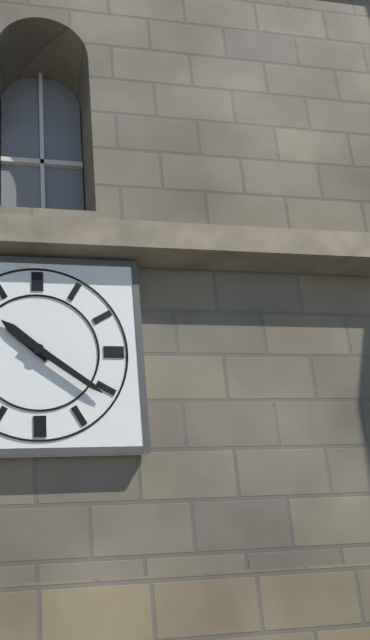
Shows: h=10 m=21
